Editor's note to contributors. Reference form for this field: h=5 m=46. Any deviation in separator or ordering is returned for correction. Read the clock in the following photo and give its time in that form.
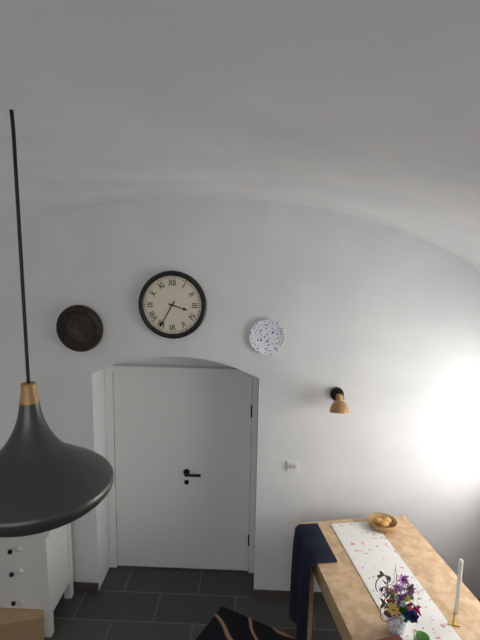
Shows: h=3 m=35
